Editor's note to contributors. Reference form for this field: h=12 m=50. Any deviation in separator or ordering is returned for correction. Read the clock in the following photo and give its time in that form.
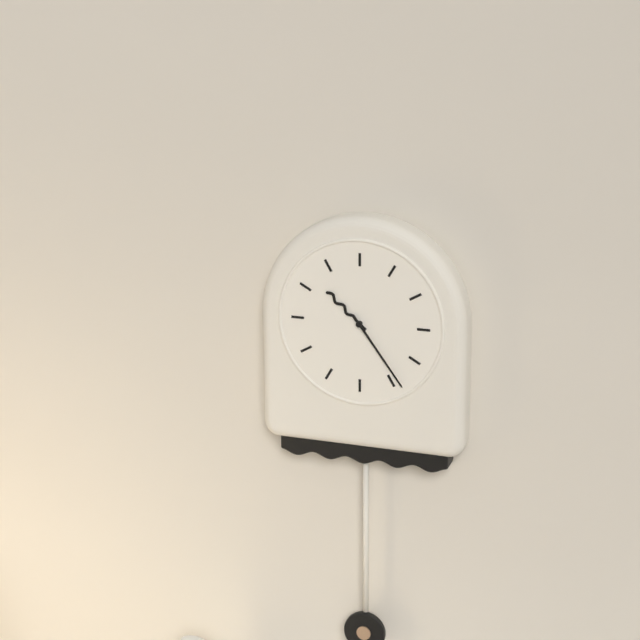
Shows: h=10 m=24
